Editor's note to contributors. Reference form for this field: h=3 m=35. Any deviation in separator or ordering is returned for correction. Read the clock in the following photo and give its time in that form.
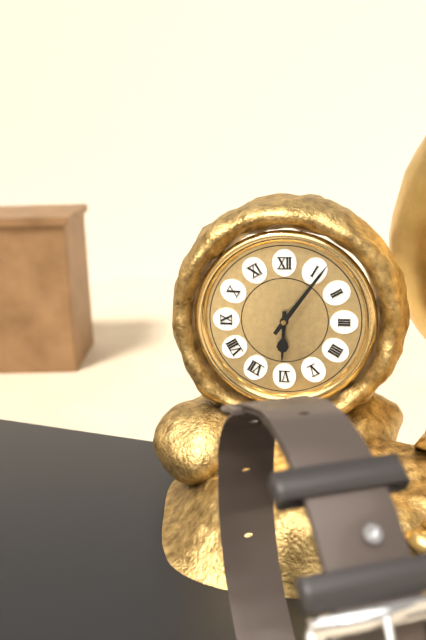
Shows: h=6 m=6
